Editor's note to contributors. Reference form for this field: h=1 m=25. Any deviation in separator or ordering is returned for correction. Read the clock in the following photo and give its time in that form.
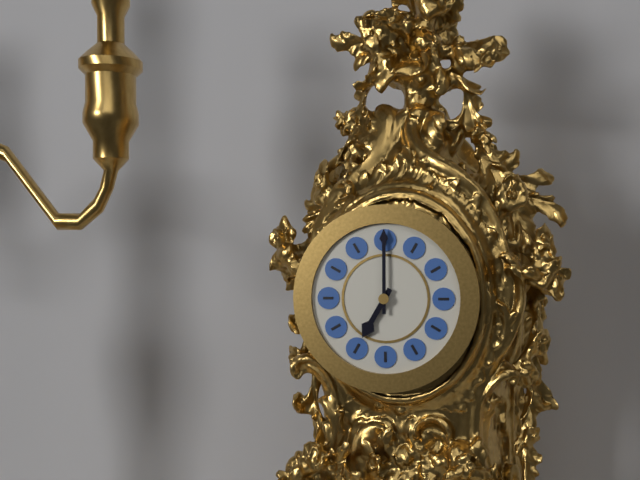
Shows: h=7 m=0
